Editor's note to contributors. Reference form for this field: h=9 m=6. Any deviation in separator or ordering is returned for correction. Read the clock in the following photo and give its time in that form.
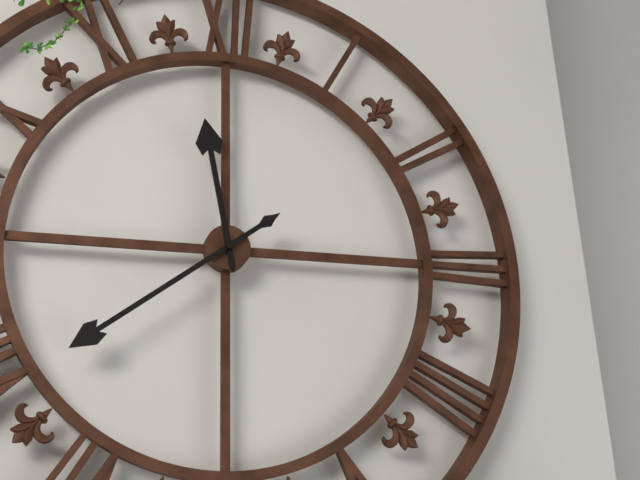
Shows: h=11 m=39
